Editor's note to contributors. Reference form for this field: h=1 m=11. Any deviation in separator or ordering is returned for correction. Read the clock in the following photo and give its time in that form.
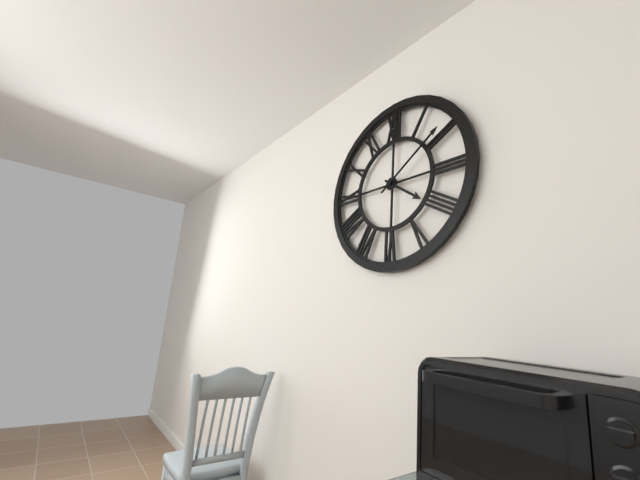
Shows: h=4 m=9
